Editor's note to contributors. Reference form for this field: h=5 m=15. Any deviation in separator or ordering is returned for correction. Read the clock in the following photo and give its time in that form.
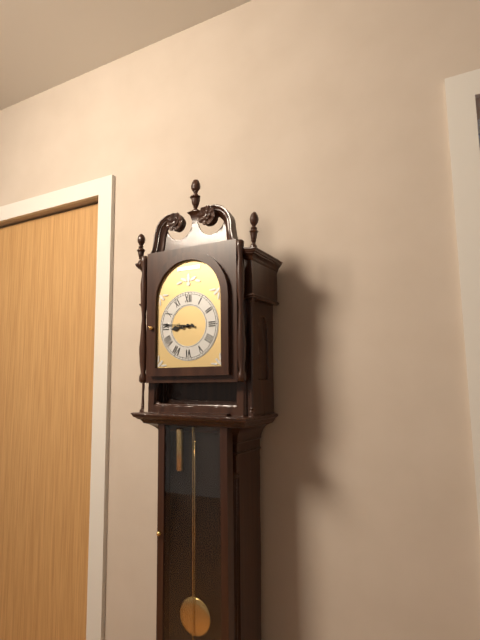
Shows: h=8 m=46
